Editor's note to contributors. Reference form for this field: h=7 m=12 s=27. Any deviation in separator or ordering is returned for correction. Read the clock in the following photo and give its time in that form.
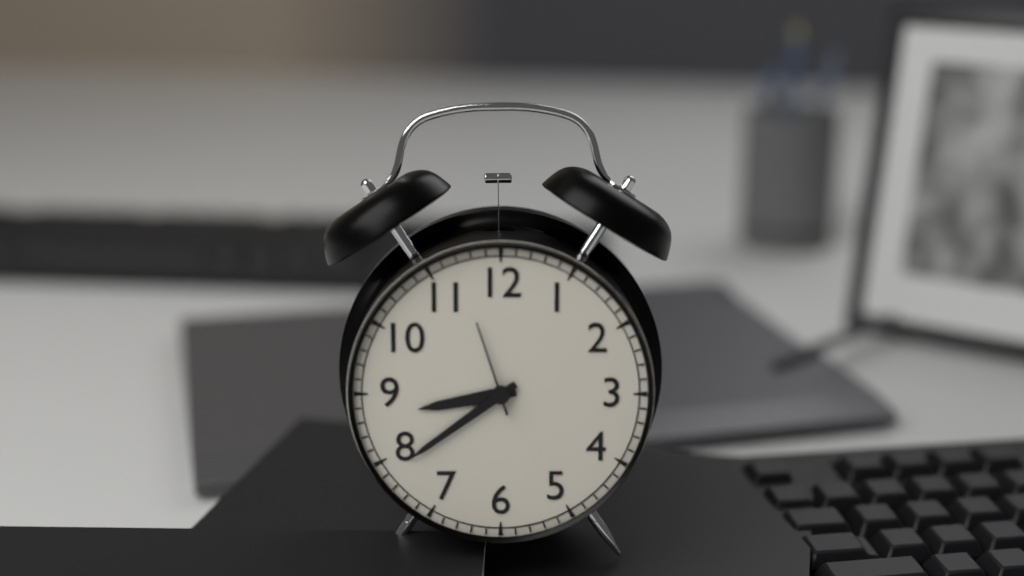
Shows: h=8 m=39 s=57
